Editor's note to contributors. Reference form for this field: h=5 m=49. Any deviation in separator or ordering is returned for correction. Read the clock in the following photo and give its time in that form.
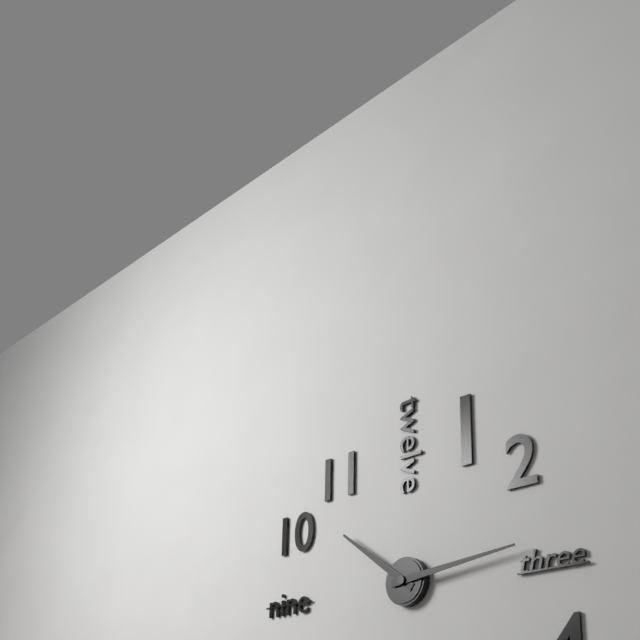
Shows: h=10 m=14
